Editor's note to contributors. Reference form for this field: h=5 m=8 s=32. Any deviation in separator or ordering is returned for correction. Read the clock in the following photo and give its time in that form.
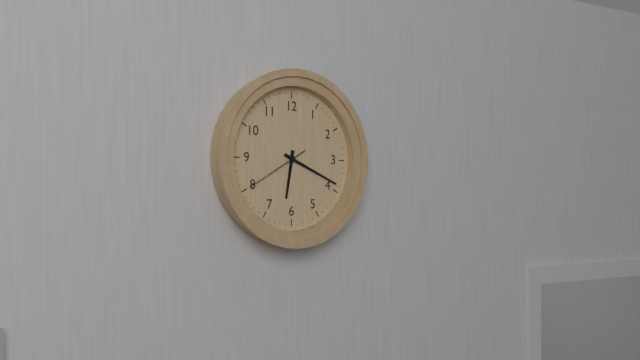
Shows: h=6 m=19 s=40
